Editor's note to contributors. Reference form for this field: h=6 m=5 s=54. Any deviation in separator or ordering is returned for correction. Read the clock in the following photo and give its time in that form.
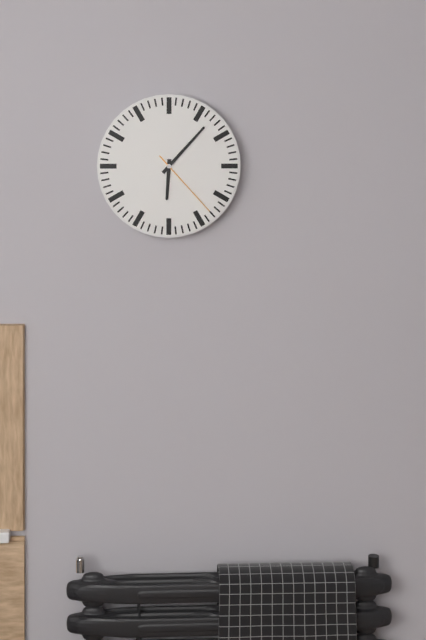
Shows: h=6 m=7 s=23
